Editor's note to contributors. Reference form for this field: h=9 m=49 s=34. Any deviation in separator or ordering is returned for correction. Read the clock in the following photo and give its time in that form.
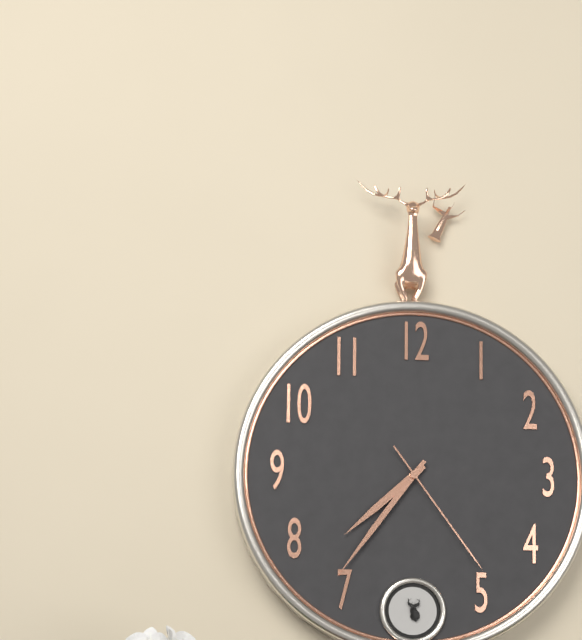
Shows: h=7 m=36 s=24
